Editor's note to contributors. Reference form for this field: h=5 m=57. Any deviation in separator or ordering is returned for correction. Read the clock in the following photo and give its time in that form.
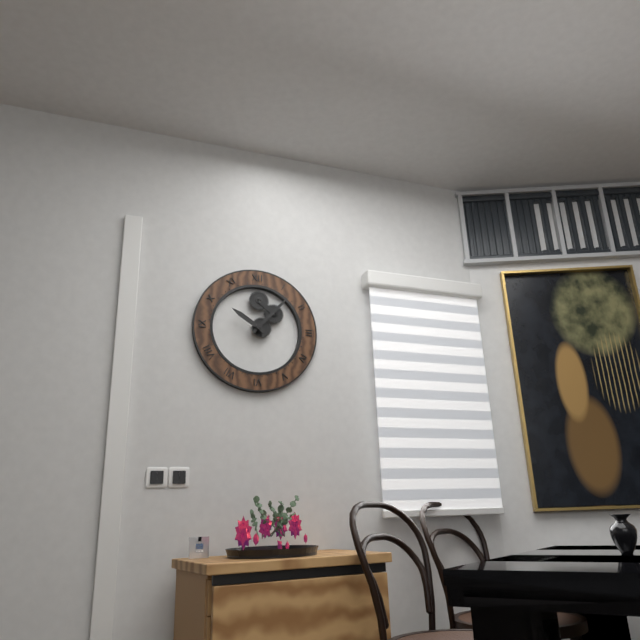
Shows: h=10 m=7
